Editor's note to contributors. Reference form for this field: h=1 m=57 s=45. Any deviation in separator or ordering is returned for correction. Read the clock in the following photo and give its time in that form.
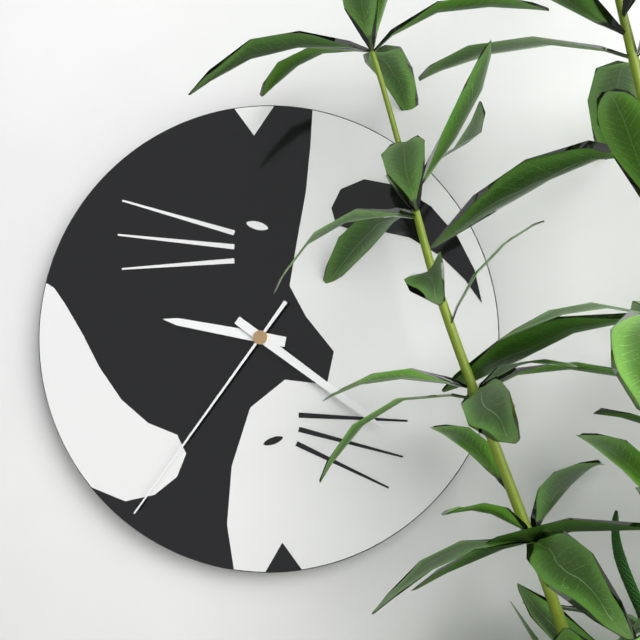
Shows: h=9 m=21 s=36
